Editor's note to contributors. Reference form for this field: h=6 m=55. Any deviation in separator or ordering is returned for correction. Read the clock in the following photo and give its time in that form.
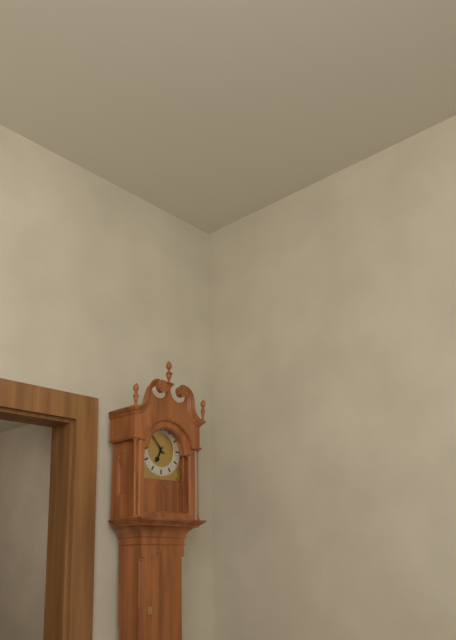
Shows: h=6 m=53
